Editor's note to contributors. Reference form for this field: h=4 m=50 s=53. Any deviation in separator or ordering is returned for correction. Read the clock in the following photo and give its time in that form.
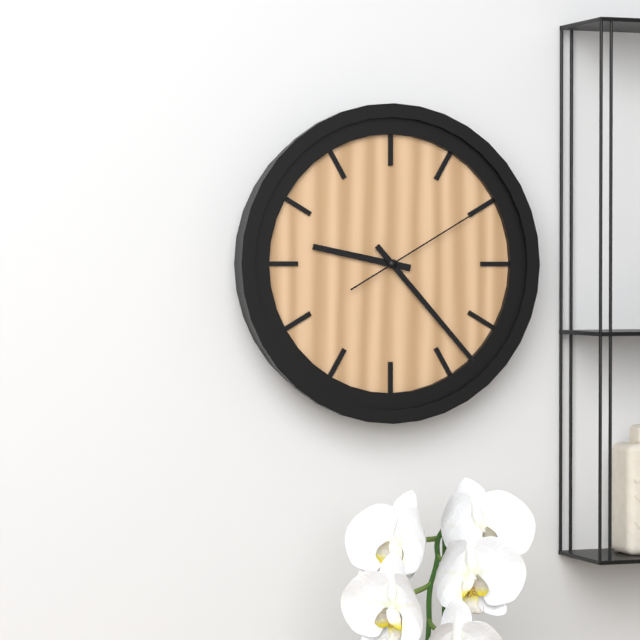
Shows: h=9 m=23 s=10
